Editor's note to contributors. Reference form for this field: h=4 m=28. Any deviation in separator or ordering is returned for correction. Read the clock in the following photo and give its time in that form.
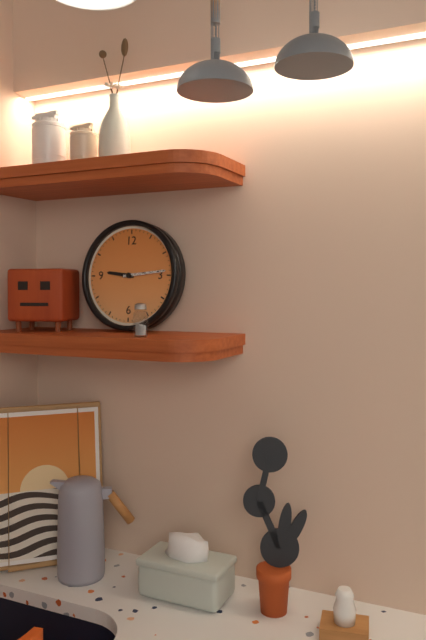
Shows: h=9 m=14
